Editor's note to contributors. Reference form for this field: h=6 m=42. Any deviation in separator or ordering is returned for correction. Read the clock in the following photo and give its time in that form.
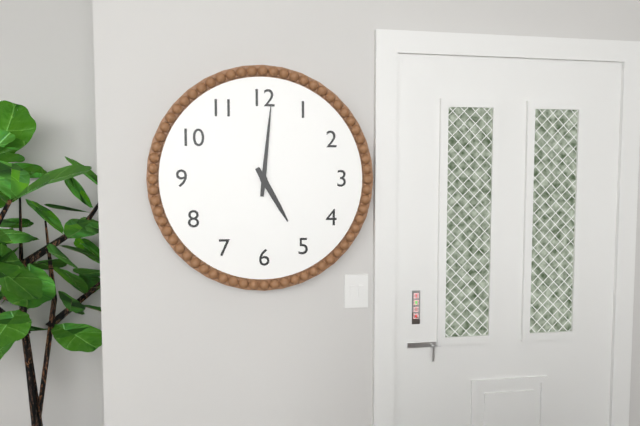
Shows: h=5 m=1
